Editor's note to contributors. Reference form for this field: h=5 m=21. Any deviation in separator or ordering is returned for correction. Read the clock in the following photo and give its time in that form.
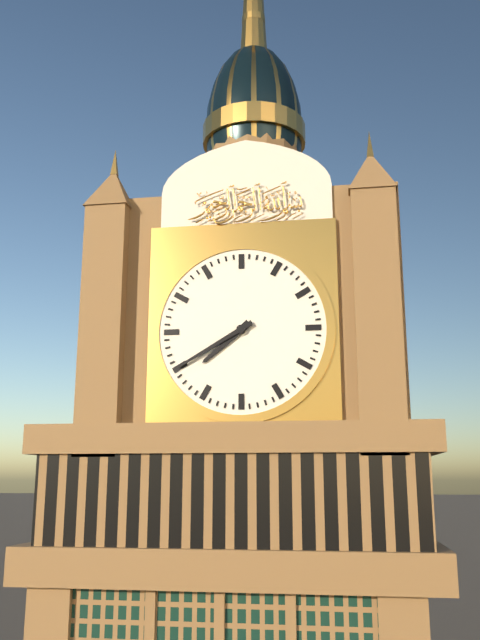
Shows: h=7 m=40
